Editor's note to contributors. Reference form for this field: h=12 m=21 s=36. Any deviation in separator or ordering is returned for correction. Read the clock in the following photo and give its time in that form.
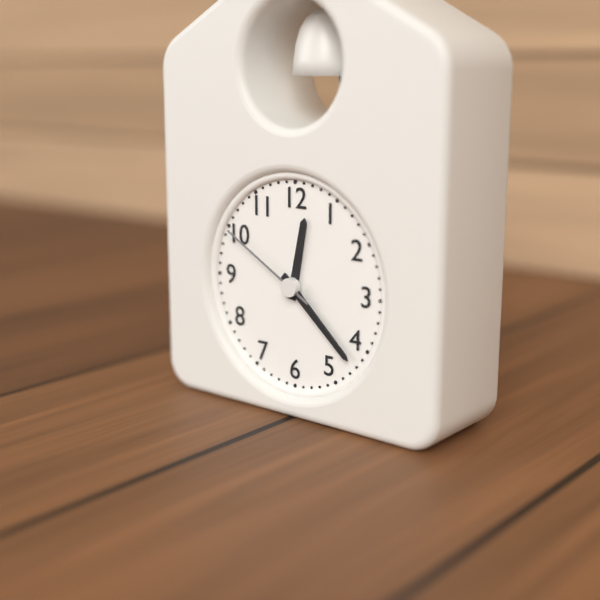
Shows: h=12 m=22 s=50
